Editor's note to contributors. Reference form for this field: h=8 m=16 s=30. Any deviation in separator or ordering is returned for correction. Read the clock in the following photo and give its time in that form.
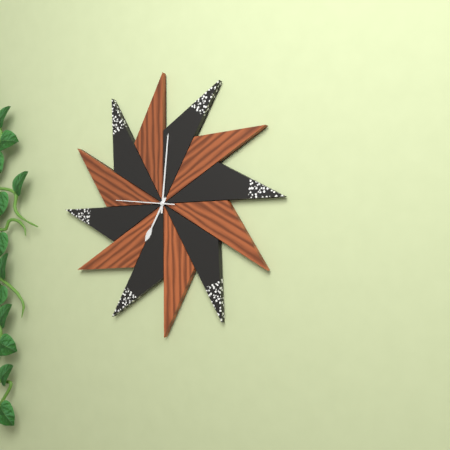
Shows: h=7 m=1 s=46
